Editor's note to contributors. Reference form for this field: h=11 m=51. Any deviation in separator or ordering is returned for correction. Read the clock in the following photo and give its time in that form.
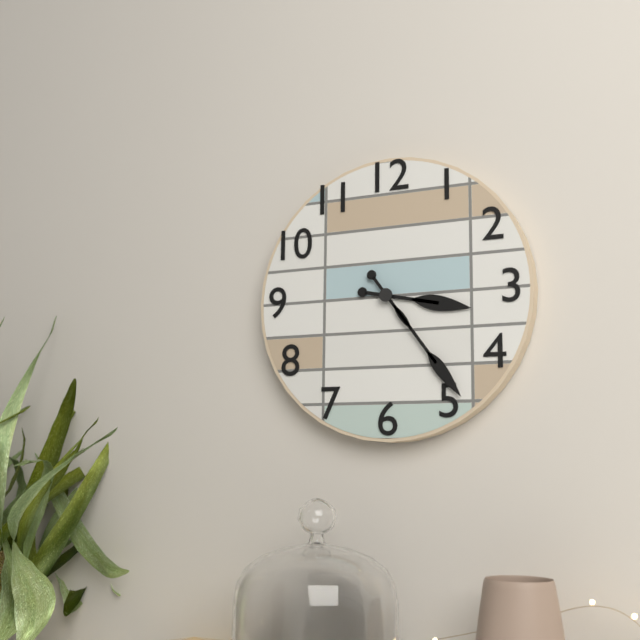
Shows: h=3 m=24
